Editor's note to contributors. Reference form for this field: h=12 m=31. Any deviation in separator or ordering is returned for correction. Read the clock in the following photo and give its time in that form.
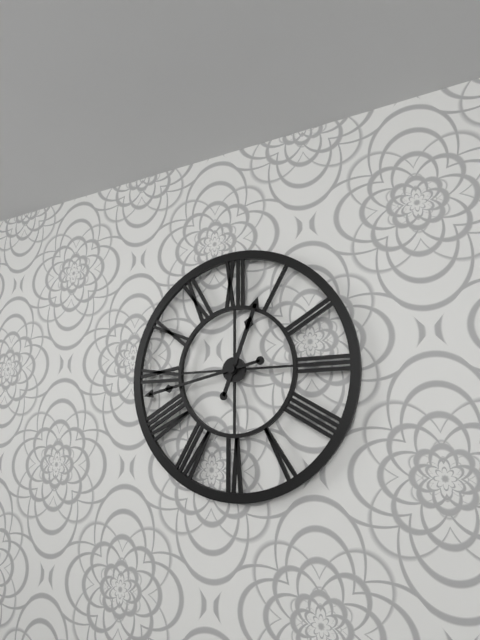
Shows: h=12 m=43
